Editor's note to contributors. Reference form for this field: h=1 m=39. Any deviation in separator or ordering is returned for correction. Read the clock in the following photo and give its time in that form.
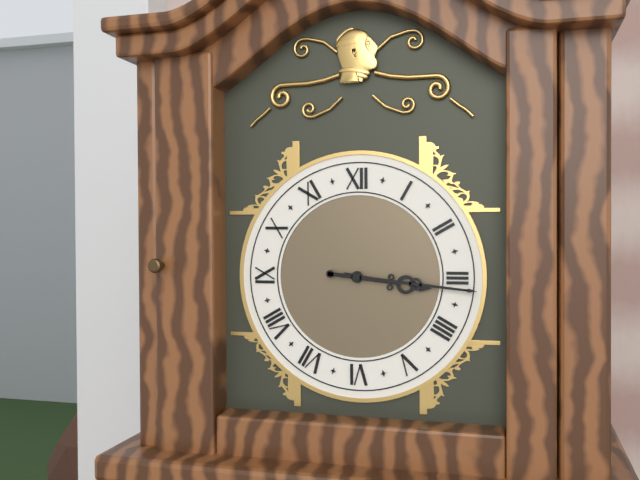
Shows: h=3 m=16
